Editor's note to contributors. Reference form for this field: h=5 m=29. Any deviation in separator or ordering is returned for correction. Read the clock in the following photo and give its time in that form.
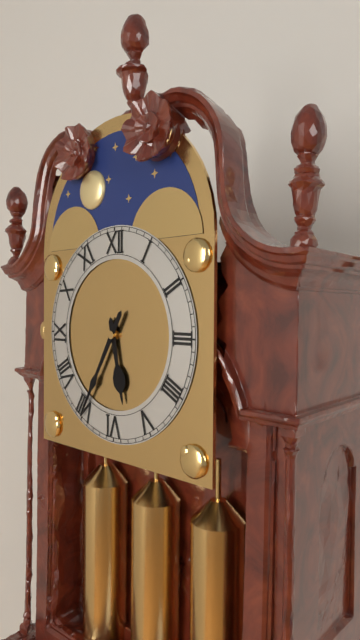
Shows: h=5 m=35
